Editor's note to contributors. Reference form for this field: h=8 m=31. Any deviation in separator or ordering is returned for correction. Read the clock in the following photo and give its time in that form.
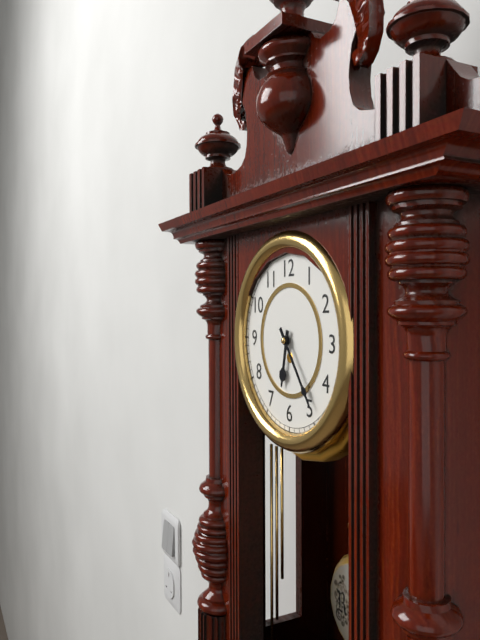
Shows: h=6 m=24
